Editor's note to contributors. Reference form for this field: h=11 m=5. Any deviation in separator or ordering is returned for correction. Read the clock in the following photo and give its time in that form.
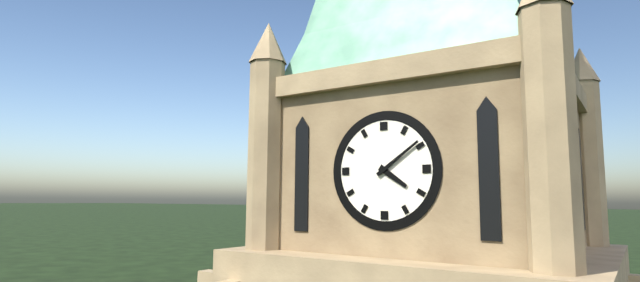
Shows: h=4 m=9
